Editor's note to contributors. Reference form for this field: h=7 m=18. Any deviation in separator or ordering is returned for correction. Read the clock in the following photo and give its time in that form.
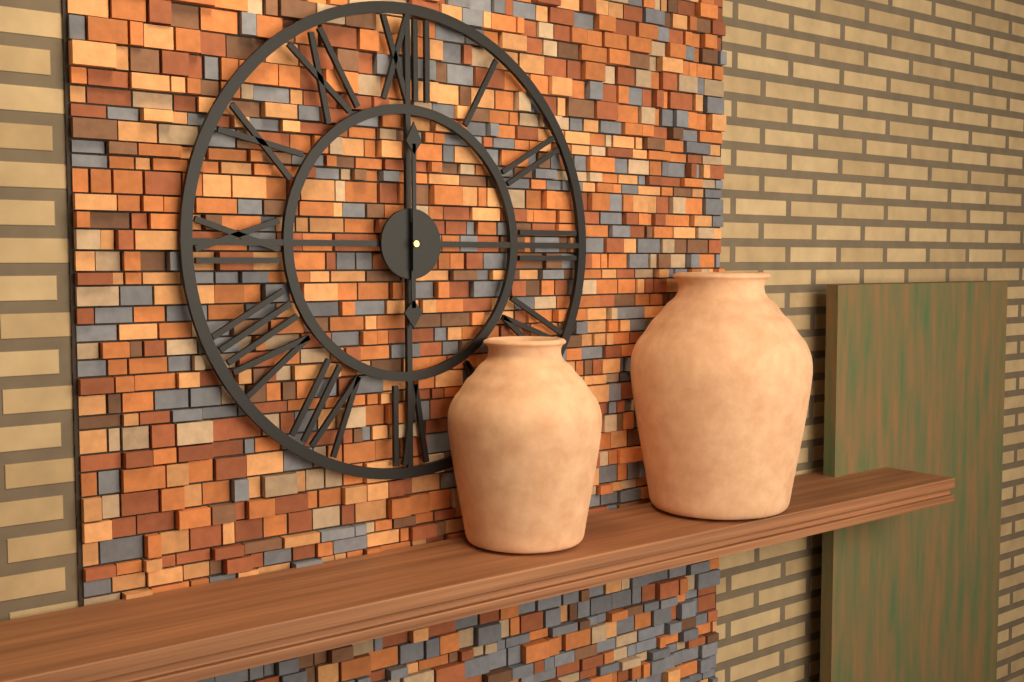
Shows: h=6 m=0
